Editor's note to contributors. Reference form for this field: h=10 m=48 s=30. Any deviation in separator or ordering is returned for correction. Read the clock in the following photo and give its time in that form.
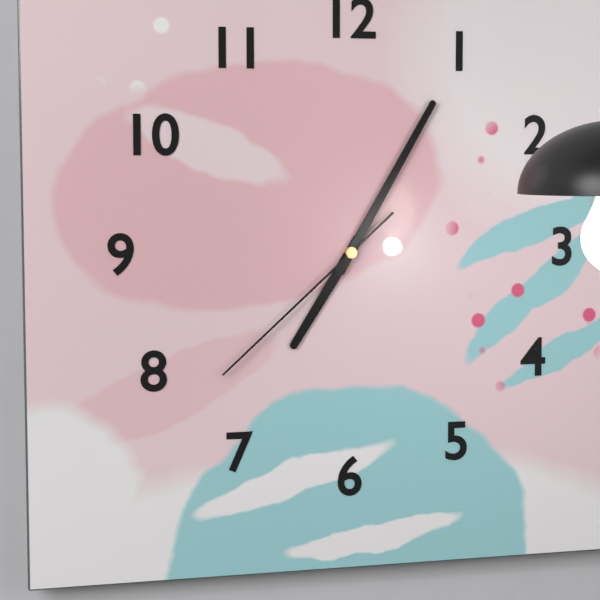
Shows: h=7 m=5 s=38
